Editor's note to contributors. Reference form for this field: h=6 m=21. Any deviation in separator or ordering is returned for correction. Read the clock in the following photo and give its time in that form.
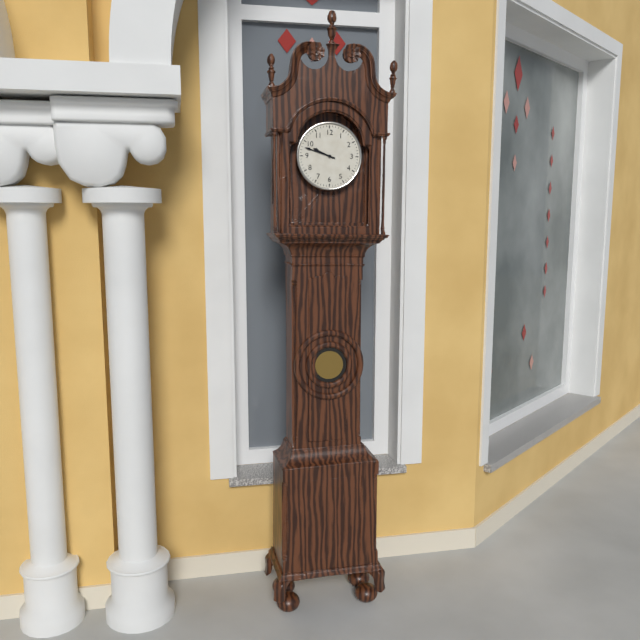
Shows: h=9 m=48
